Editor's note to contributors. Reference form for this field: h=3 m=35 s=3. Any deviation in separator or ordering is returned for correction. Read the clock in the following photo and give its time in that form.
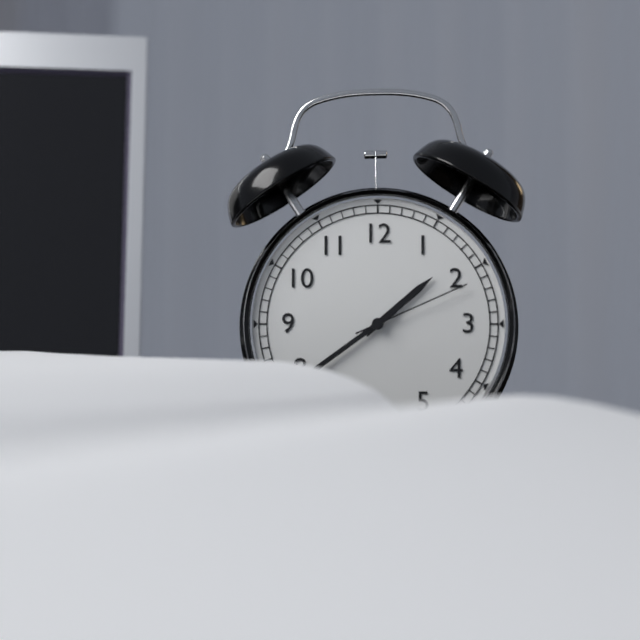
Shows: h=1 m=39 s=11
